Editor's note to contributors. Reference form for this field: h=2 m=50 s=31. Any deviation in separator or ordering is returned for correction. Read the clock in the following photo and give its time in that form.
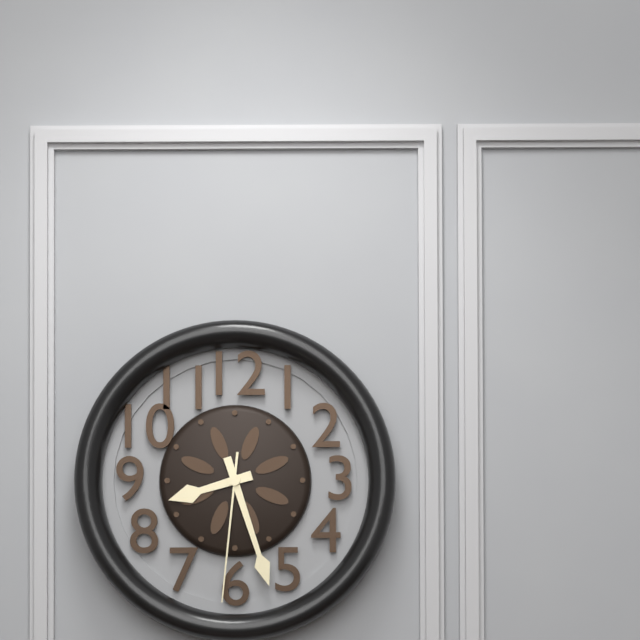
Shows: h=8 m=27 s=31
